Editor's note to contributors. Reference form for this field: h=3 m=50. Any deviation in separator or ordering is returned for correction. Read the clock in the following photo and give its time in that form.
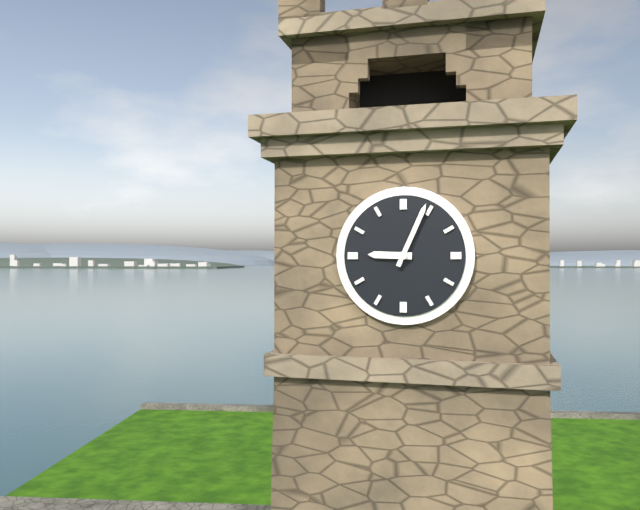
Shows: h=9 m=4
